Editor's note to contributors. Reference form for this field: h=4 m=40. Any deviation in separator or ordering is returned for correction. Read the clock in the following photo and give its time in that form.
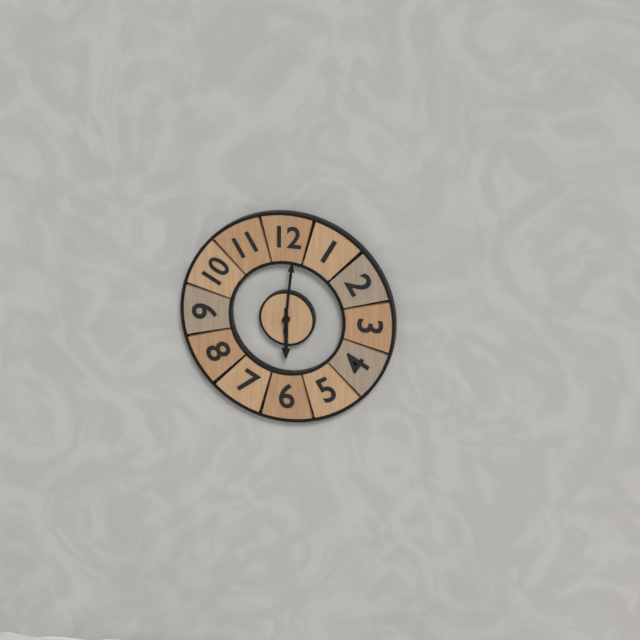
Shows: h=6 m=1
